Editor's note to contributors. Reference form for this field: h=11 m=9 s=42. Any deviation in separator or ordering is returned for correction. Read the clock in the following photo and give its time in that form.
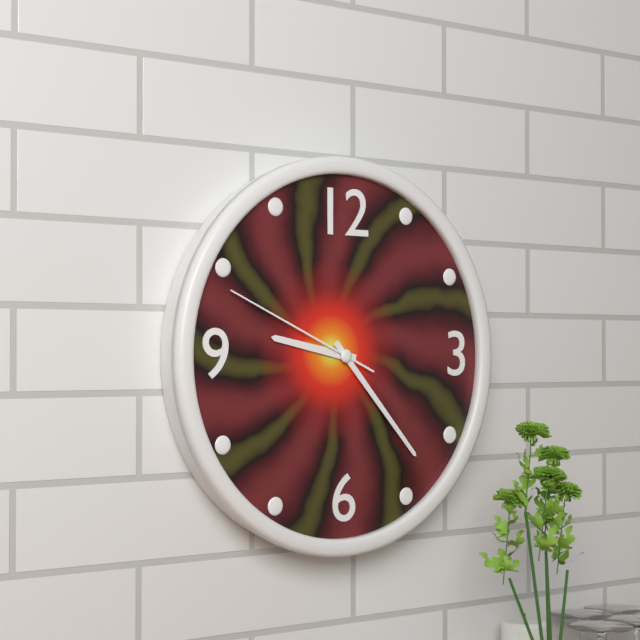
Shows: h=9 m=23 s=49
